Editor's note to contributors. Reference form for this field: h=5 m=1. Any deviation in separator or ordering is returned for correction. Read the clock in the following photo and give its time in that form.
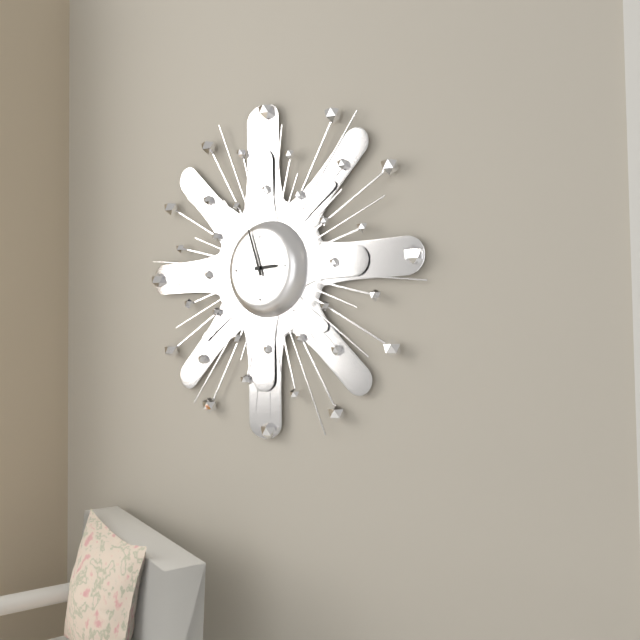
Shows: h=2 m=57
